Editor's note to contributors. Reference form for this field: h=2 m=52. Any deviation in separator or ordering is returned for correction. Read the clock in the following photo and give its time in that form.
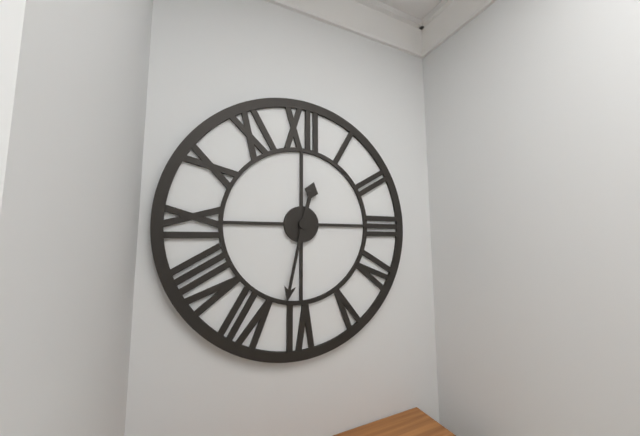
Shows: h=12 m=32
